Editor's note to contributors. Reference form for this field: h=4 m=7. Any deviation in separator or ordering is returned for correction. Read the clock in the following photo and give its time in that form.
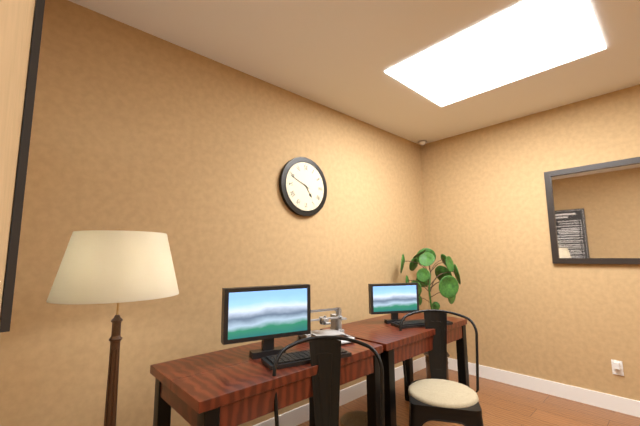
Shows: h=4 m=49
